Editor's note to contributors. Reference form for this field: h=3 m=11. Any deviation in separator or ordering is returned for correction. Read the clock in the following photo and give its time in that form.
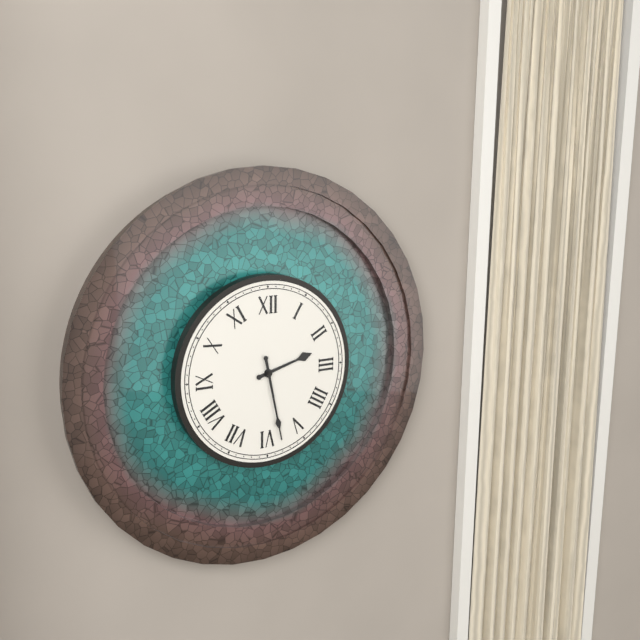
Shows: h=2 m=28
